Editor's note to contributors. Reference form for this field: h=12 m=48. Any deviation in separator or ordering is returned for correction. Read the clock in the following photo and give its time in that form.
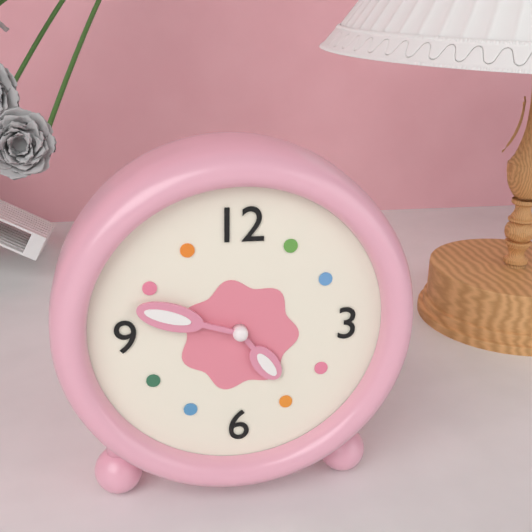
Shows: h=4 m=48
